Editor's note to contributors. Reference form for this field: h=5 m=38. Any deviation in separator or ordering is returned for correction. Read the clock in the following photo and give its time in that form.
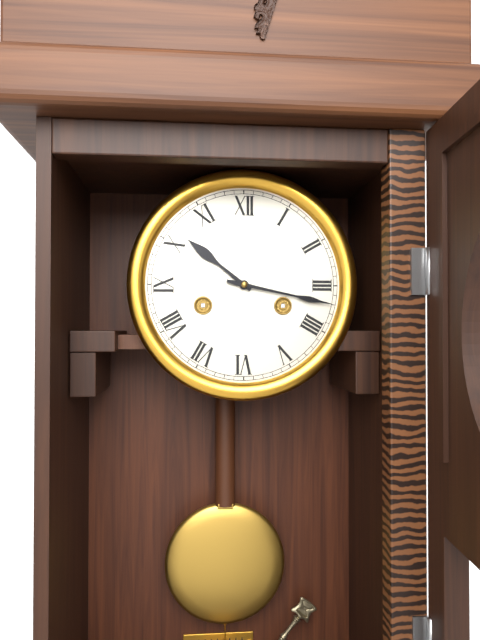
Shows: h=10 m=17
